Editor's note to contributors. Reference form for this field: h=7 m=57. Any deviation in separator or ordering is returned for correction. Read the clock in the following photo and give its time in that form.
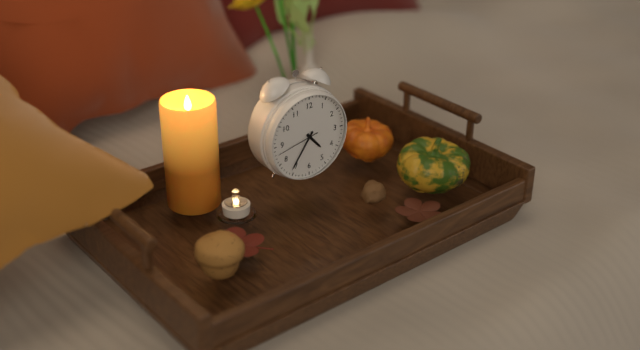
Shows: h=4 m=36
